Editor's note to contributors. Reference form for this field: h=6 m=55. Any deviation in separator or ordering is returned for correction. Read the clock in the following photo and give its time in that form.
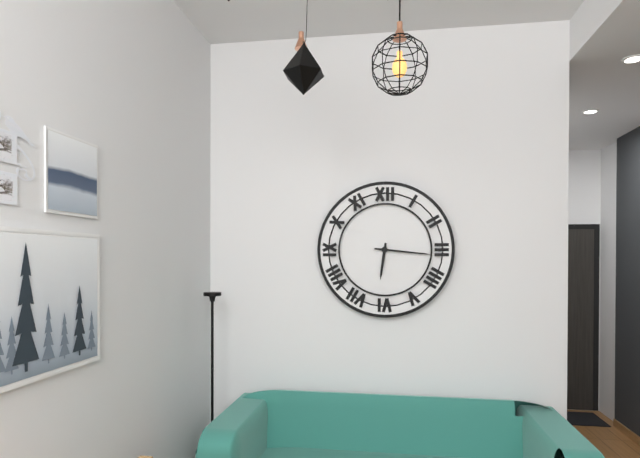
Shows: h=6 m=16
